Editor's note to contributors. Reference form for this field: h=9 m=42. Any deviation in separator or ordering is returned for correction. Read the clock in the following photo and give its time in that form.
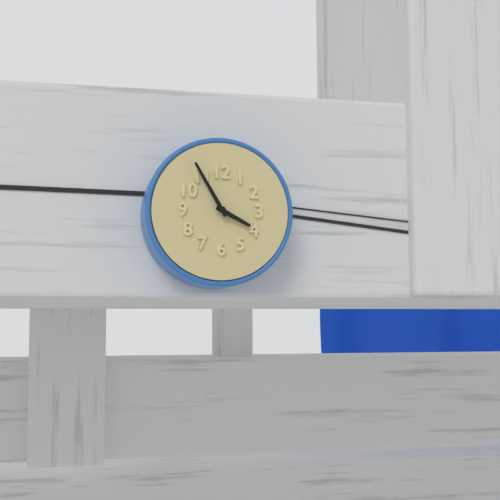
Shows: h=3 m=55
